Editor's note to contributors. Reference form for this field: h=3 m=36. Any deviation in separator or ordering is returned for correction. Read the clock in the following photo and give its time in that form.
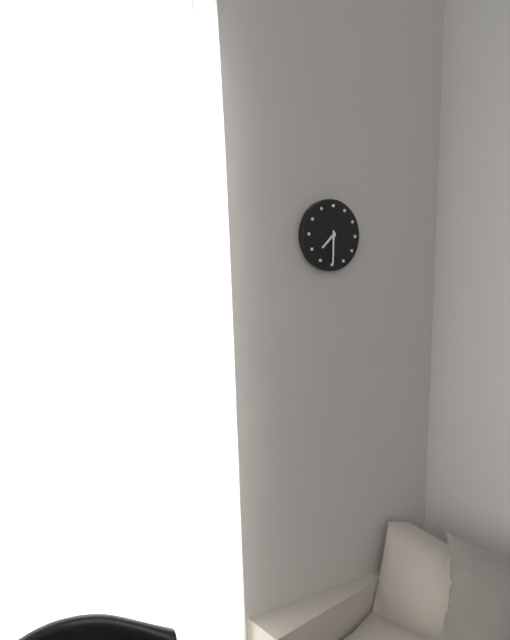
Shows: h=7 m=30
